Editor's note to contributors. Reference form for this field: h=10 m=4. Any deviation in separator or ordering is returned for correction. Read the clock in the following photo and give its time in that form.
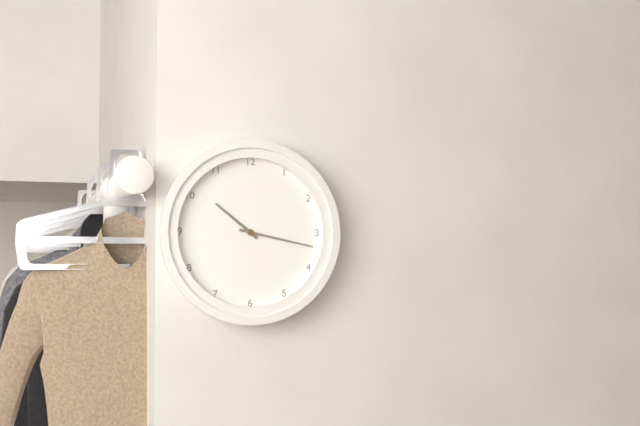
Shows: h=10 m=17
